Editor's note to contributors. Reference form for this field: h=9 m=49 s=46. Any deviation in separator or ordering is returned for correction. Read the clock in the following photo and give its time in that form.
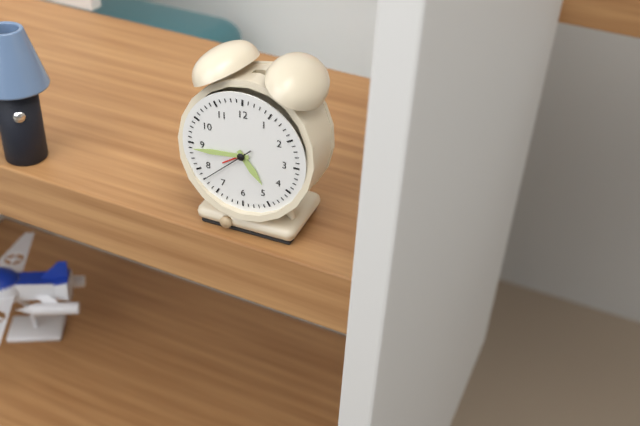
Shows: h=4 m=44 s=38
